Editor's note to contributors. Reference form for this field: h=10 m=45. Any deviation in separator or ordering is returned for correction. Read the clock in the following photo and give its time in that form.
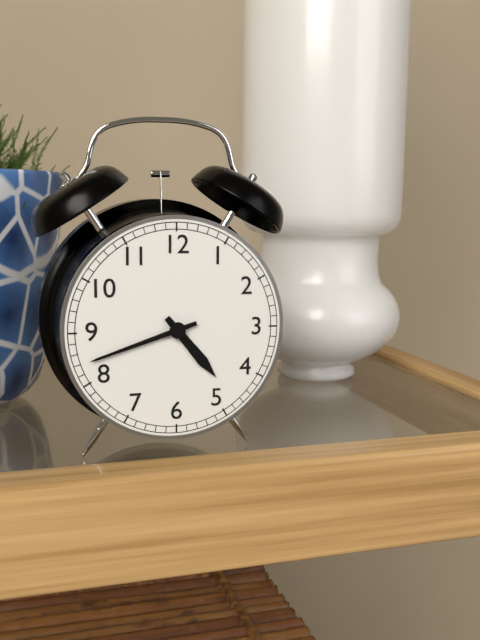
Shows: h=4 m=42
